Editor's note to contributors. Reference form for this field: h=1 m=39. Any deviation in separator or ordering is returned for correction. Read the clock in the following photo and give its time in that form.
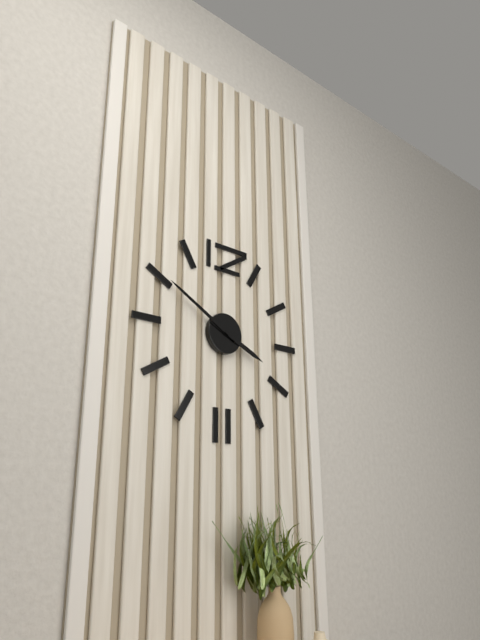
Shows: h=3 m=50
